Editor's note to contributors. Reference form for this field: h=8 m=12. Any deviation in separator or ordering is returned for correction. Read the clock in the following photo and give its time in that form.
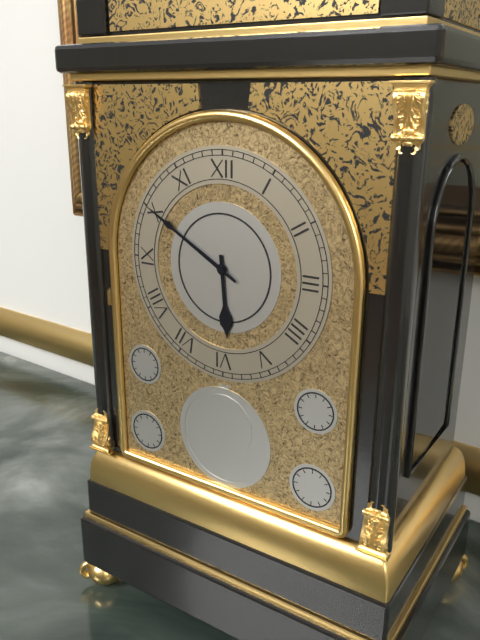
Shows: h=5 m=50
